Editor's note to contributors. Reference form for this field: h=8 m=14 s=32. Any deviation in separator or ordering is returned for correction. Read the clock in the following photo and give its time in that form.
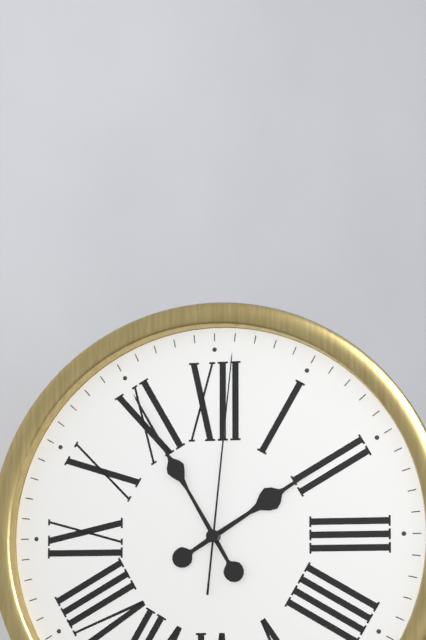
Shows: h=1 m=55 s=1
